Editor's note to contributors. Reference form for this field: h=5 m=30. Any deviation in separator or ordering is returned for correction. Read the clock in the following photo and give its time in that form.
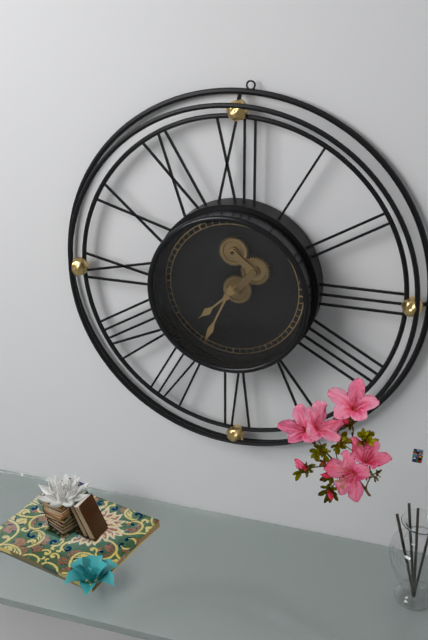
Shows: h=7 m=34
